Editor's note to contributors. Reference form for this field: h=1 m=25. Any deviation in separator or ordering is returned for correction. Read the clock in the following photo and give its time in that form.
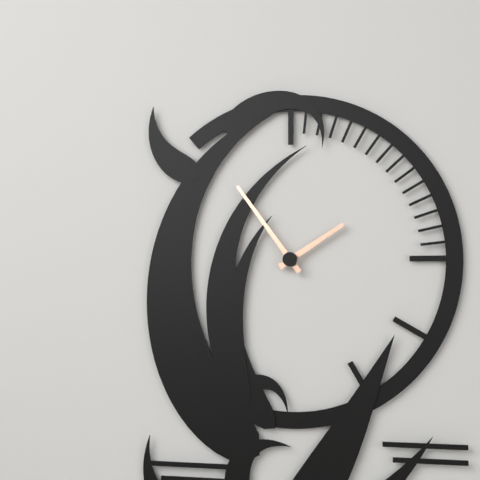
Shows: h=1 m=54
